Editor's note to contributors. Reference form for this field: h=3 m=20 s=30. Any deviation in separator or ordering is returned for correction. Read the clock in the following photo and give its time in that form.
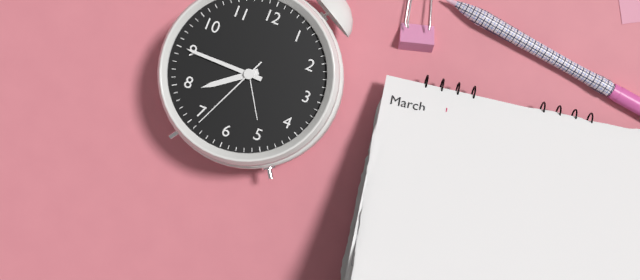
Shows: h=7 m=45 s=34
